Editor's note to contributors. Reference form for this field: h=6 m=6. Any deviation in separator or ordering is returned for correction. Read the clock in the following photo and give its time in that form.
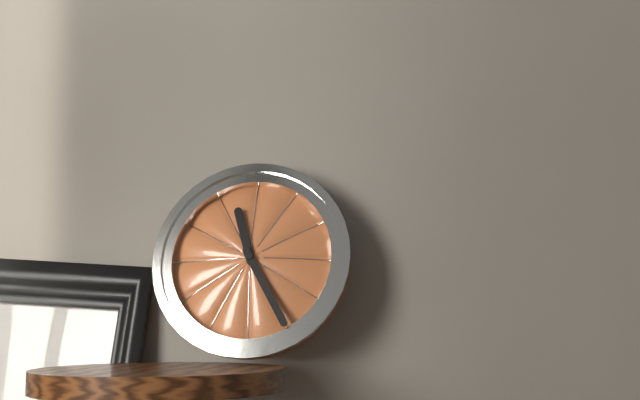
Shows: h=11 m=25
